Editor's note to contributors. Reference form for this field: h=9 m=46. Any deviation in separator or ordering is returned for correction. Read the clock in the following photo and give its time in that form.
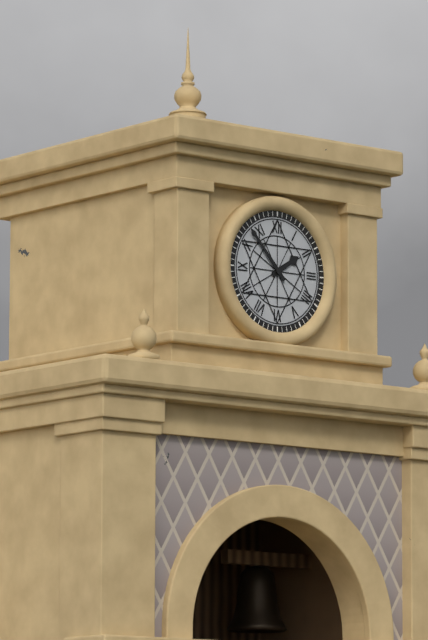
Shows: h=1 m=53
